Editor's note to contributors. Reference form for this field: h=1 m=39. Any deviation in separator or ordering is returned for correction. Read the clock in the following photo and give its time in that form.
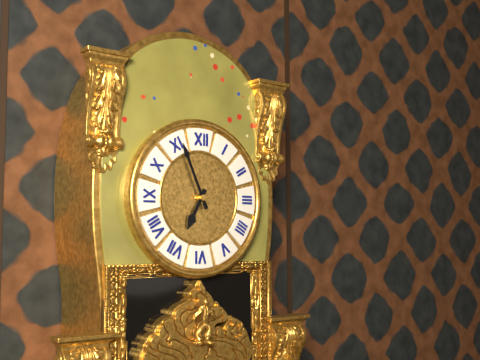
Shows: h=6 m=56
